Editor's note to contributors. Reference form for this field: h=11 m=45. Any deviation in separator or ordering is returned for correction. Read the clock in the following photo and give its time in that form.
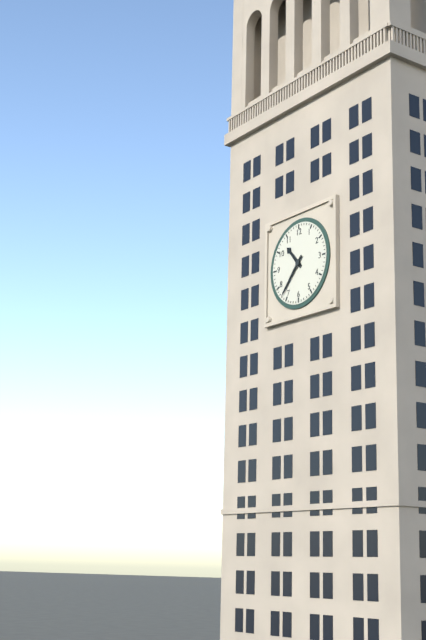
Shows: h=10 m=37
